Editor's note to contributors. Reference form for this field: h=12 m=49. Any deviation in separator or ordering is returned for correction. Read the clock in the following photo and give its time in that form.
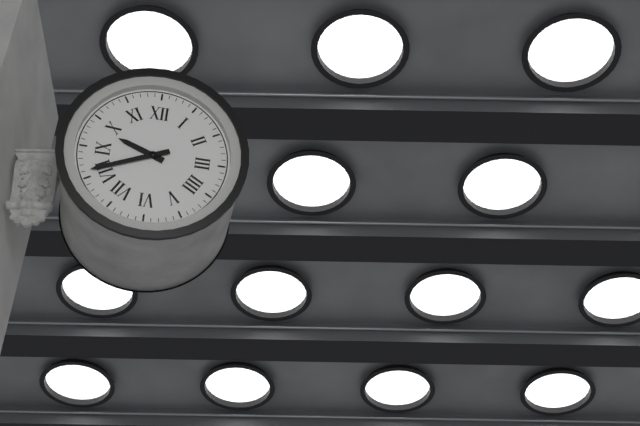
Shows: h=9 m=41
